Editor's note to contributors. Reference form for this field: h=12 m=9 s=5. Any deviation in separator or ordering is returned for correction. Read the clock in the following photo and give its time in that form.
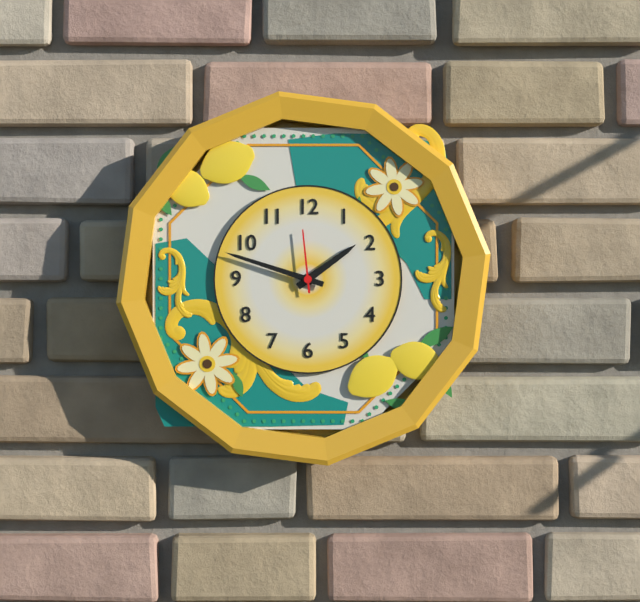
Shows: h=1 m=48 s=59
